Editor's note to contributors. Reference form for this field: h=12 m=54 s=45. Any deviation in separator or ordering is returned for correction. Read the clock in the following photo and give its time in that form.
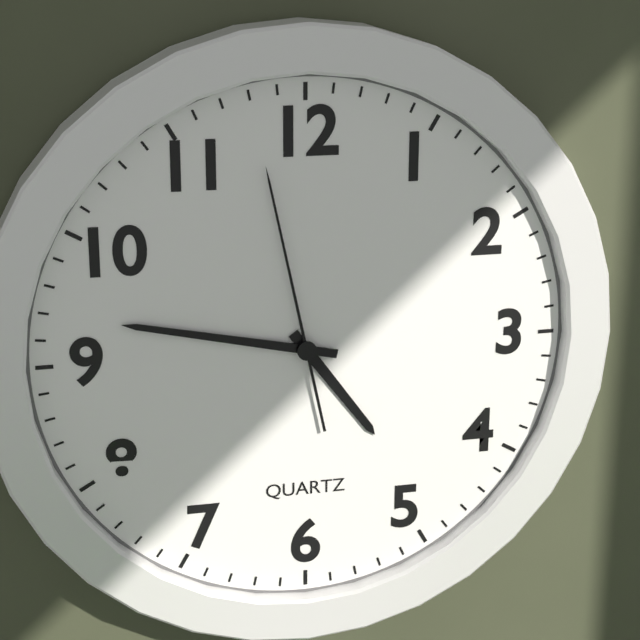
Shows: h=4 m=47 s=58
